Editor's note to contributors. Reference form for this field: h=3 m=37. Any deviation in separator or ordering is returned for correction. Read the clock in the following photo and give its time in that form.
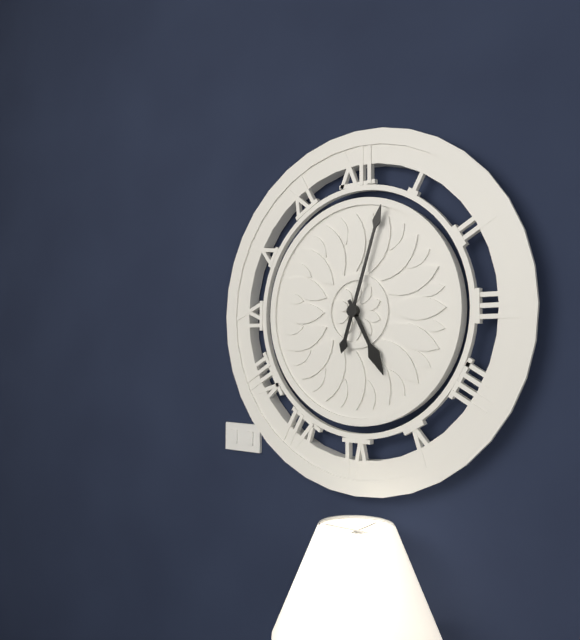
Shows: h=5 m=3
